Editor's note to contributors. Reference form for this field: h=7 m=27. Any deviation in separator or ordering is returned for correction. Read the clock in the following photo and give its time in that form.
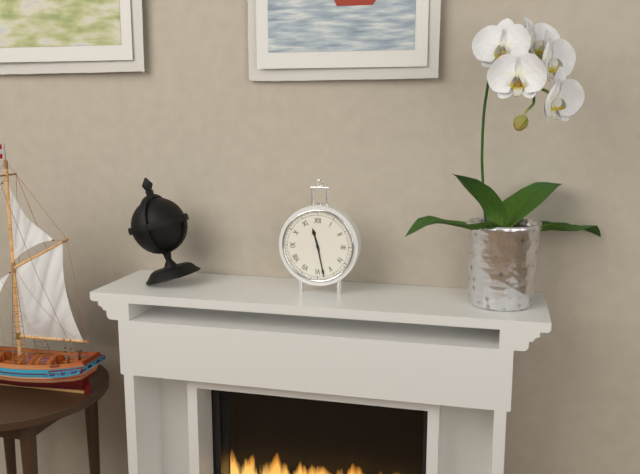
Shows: h=11 m=28
